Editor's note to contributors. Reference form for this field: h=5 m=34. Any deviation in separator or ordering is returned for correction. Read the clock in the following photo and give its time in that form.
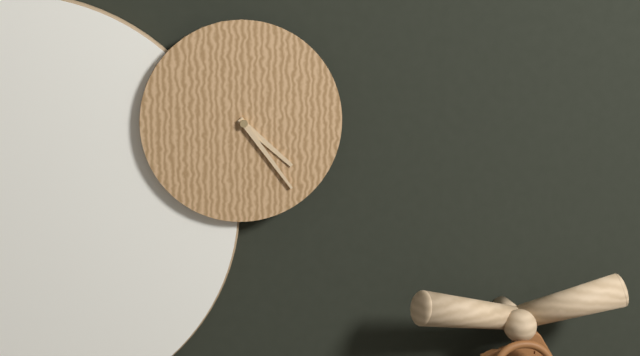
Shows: h=4 m=24
